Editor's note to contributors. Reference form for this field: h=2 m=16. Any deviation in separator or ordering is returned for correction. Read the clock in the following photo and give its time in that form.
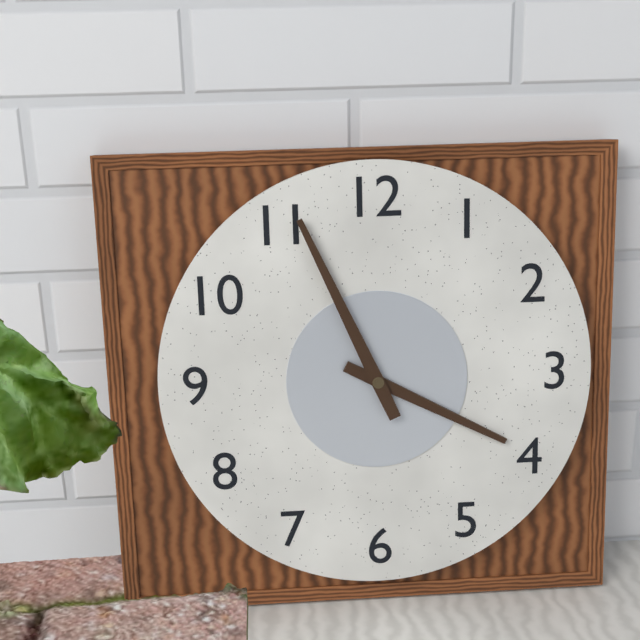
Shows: h=3 m=56
